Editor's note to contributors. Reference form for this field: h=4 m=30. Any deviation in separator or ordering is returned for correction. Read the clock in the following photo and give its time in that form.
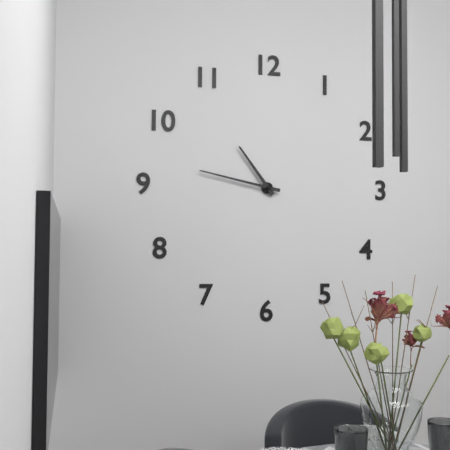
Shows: h=10 m=47
